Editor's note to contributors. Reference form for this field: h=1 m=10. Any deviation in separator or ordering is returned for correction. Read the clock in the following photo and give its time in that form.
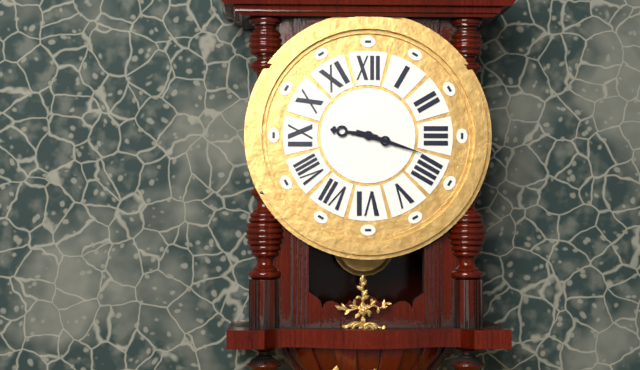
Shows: h=9 m=18
